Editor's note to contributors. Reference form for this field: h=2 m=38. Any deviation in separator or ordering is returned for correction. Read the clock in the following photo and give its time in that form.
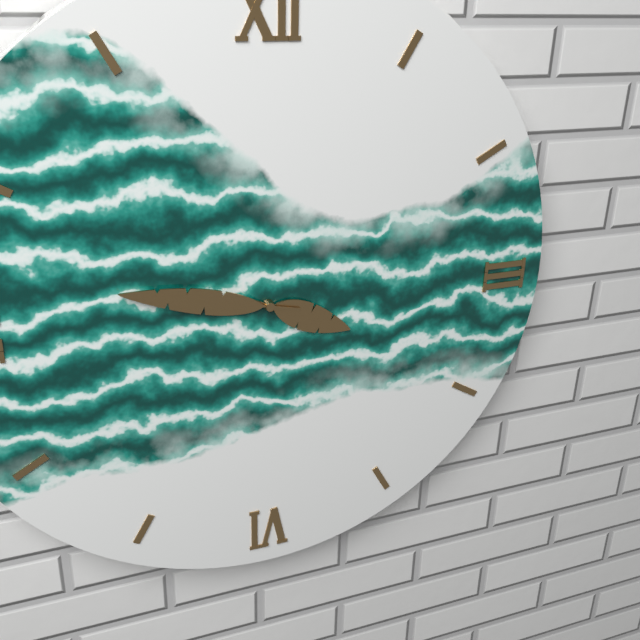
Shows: h=3 m=47
